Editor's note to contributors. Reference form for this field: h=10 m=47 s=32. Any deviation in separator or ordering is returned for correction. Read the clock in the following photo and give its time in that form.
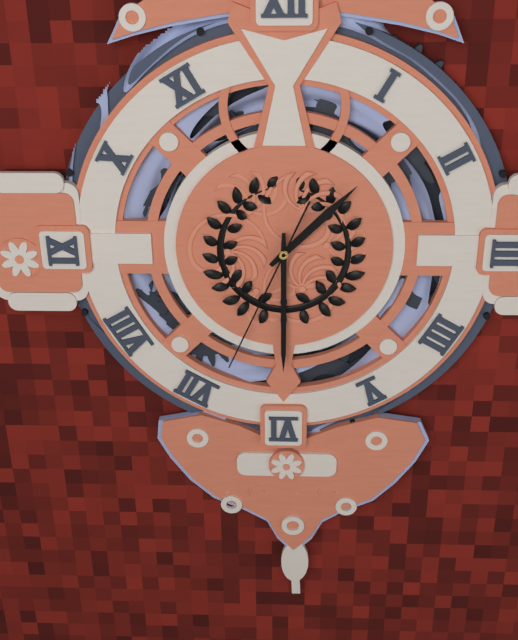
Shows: h=1 m=30 s=34
